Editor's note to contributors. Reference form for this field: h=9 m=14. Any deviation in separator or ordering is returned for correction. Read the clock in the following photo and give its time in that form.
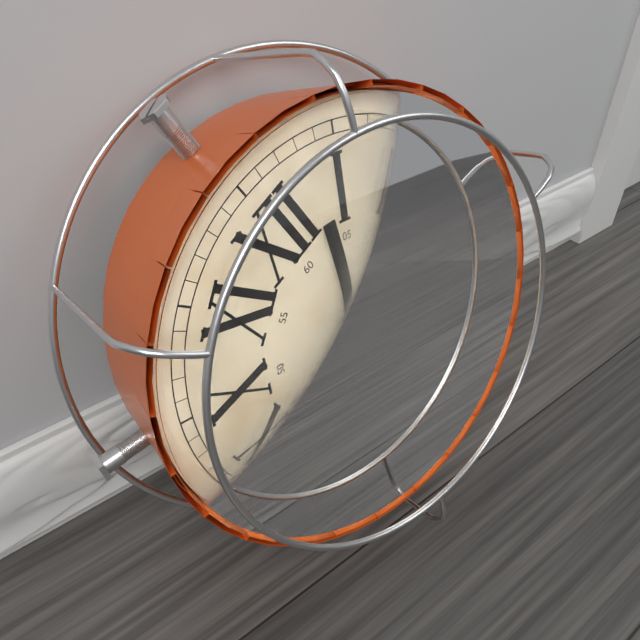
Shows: h=12 m=40
